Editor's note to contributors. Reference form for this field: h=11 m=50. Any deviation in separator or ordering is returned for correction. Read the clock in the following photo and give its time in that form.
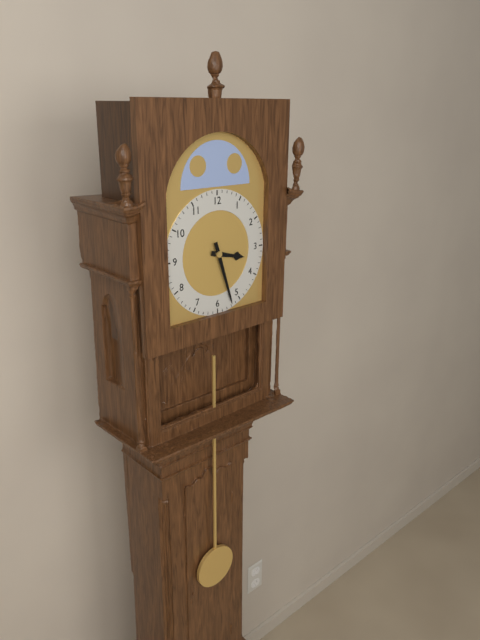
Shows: h=3 m=27
